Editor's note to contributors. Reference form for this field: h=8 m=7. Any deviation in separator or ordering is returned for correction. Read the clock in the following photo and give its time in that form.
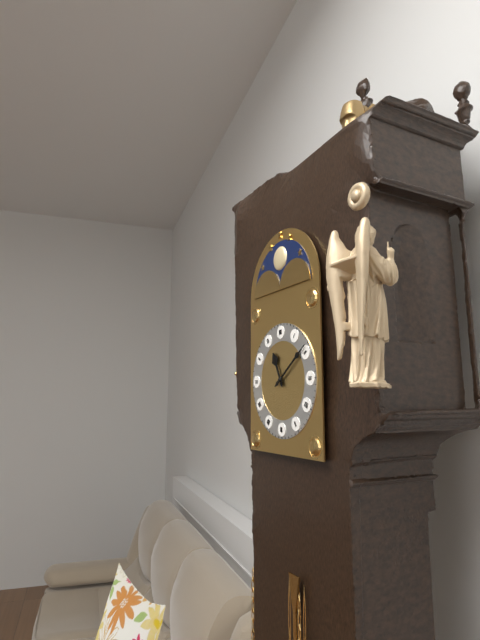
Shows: h=11 m=9
